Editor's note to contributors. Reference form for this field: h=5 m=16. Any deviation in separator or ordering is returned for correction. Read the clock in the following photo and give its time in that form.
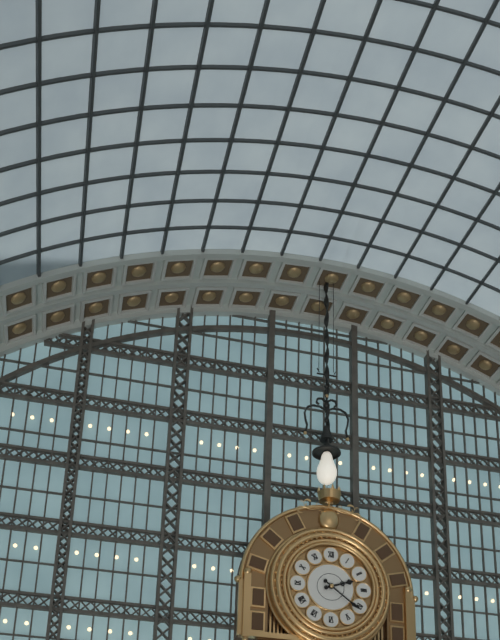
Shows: h=2 m=21
